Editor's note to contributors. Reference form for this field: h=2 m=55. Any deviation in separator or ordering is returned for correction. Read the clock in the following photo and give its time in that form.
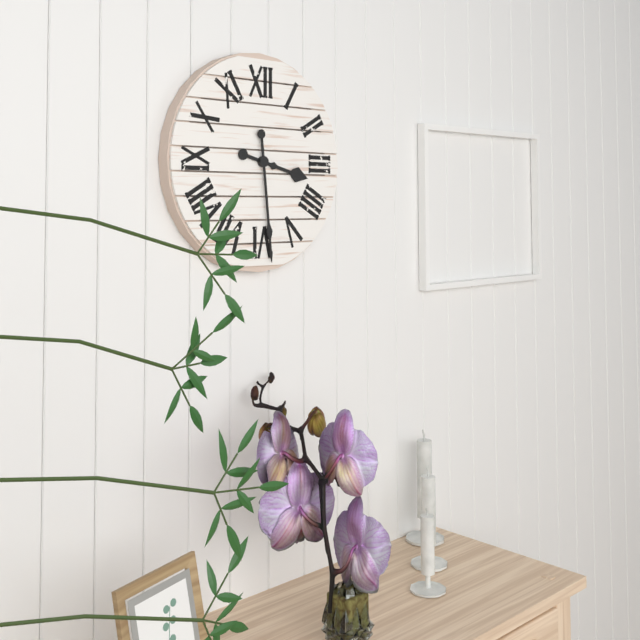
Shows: h=3 m=29
